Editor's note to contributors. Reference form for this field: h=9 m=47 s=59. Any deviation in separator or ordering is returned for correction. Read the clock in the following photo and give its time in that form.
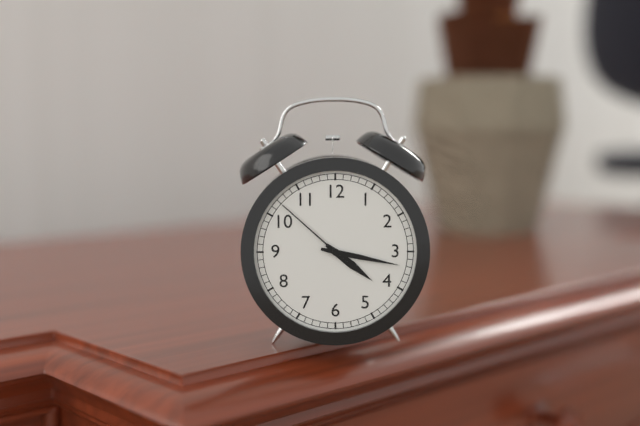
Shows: h=4 m=17 s=52
